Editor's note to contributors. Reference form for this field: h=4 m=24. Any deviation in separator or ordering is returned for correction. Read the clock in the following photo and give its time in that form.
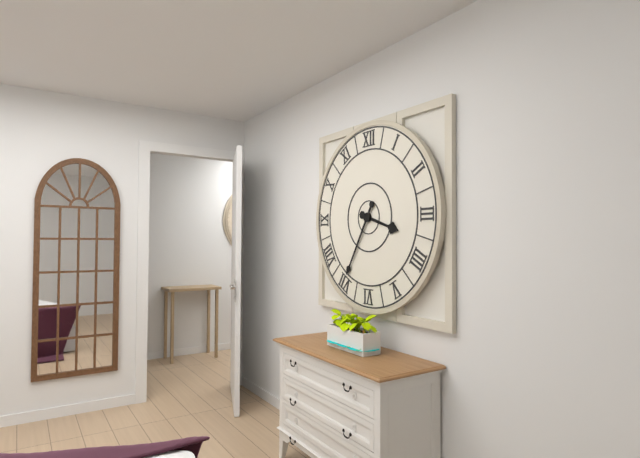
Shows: h=3 m=35
